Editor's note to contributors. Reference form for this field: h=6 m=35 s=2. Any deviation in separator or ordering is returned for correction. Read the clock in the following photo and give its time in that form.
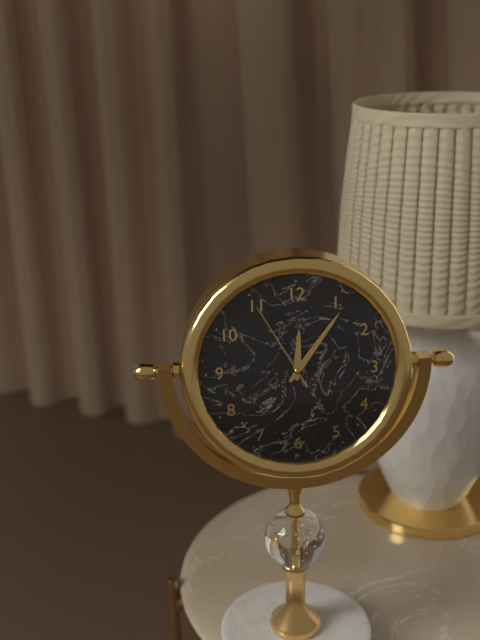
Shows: h=12 m=6 s=55
